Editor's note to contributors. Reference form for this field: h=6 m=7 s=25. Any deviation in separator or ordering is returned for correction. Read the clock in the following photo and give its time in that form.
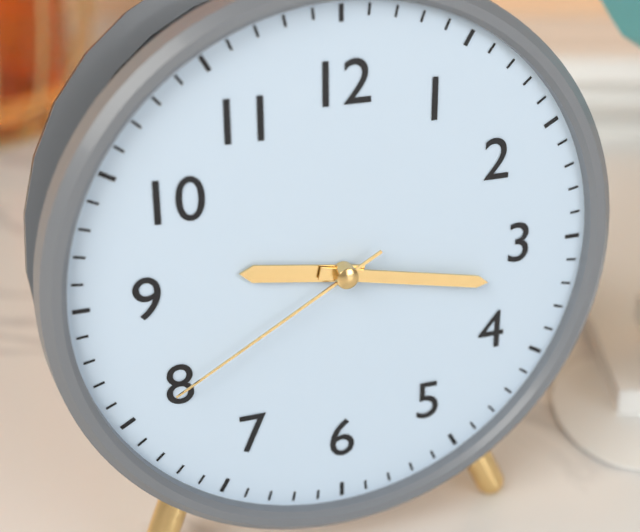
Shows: h=9 m=17 s=40
